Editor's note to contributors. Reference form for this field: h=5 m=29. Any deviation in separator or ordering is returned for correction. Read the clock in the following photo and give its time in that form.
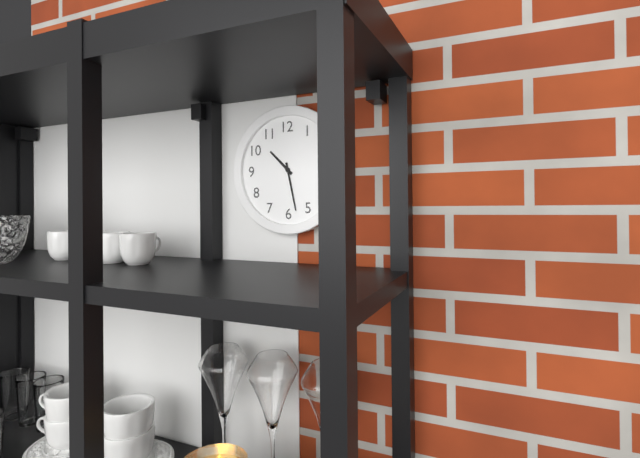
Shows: h=10 m=28
